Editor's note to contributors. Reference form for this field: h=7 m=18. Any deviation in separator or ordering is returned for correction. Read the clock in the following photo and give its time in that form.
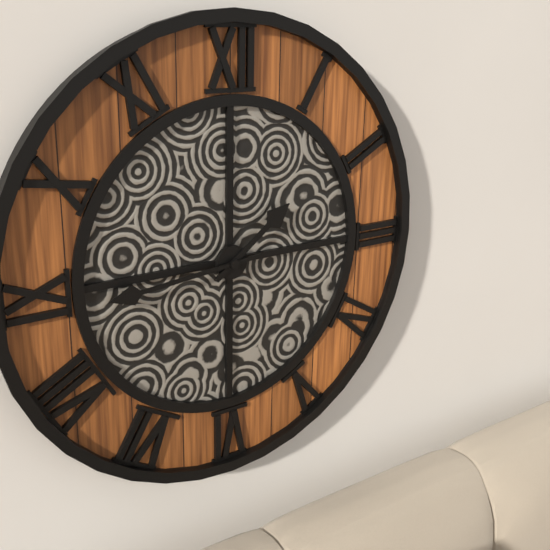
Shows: h=1 m=44
